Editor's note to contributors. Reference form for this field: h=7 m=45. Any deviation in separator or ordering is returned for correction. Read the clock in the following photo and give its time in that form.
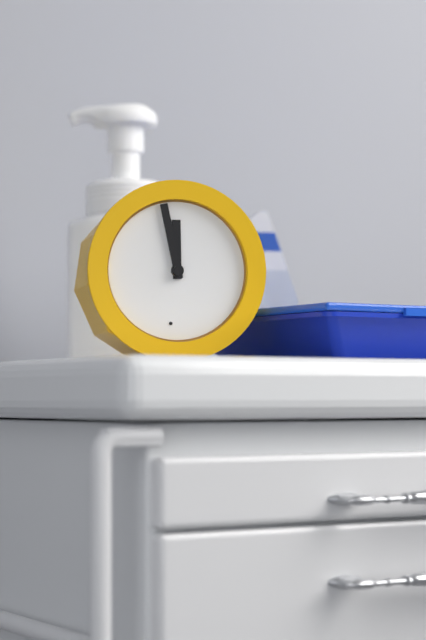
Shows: h=11 m=58
